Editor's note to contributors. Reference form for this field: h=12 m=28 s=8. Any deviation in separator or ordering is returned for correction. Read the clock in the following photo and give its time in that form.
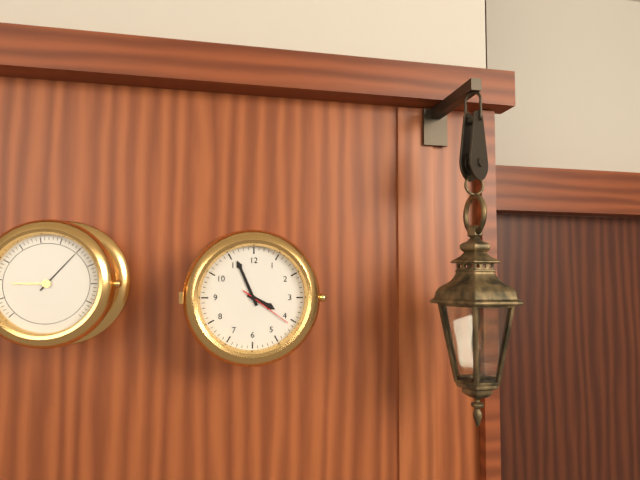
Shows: h=3 m=56 s=21
